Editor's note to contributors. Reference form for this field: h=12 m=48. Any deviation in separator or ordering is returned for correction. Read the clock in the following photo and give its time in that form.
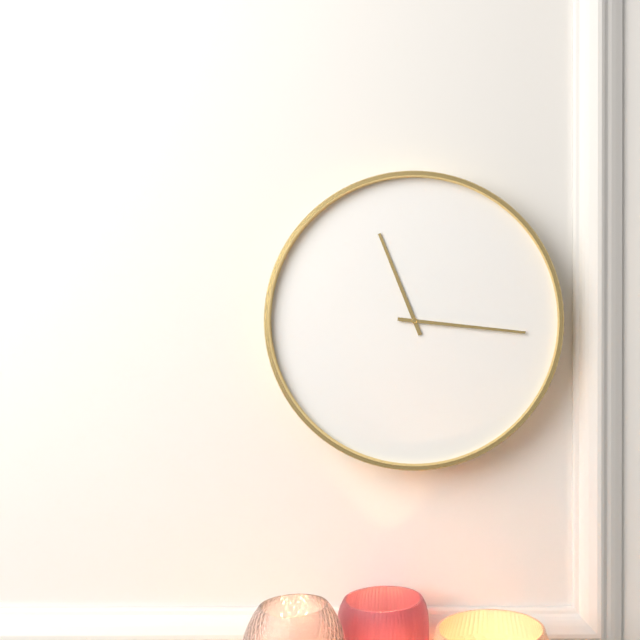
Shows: h=11 m=16
